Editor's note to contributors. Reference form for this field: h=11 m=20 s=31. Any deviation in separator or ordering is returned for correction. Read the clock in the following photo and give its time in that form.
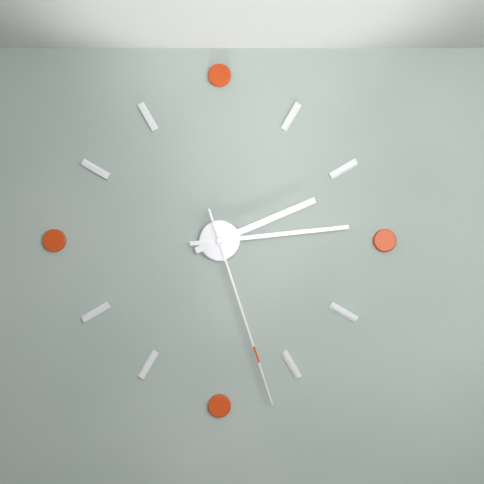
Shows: h=2 m=14 s=27
